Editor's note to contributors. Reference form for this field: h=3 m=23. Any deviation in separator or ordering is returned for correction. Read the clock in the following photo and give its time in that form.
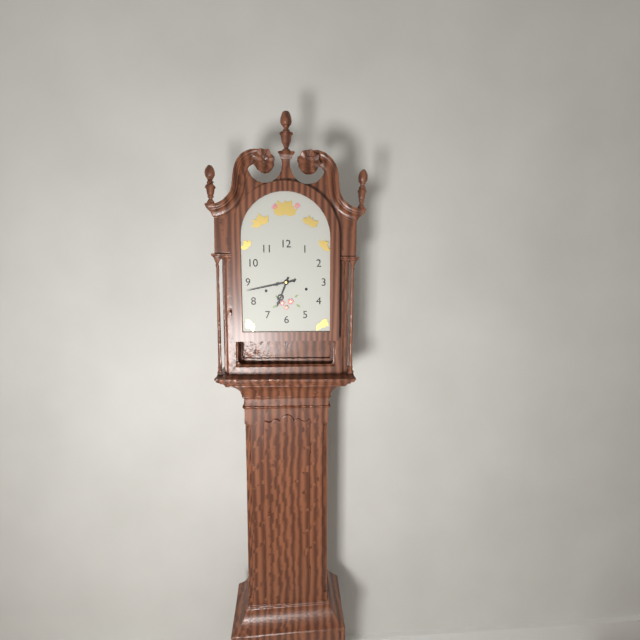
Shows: h=6 m=43
